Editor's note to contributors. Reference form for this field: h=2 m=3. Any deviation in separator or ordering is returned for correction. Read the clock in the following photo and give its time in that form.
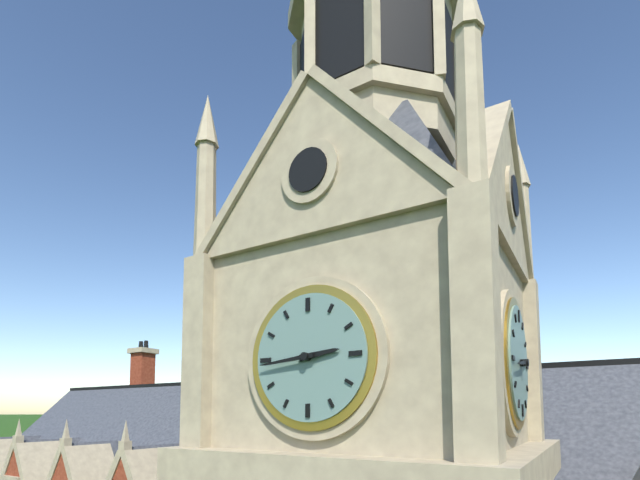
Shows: h=2 m=44
